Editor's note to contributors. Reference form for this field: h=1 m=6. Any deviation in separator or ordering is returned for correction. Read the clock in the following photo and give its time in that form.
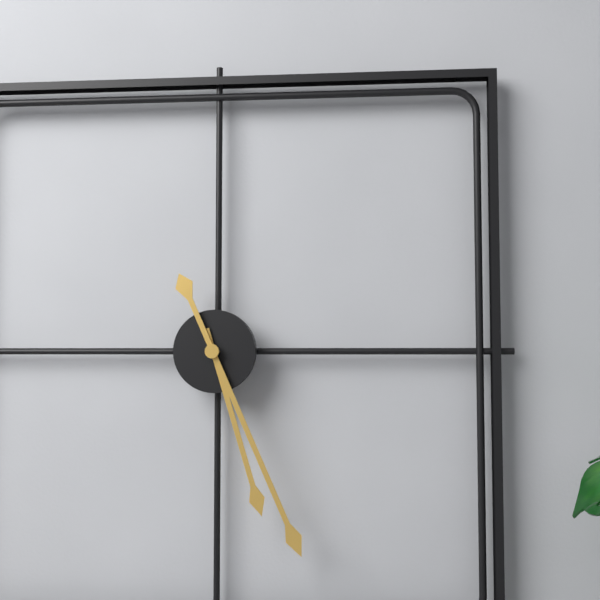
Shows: h=5 m=26
